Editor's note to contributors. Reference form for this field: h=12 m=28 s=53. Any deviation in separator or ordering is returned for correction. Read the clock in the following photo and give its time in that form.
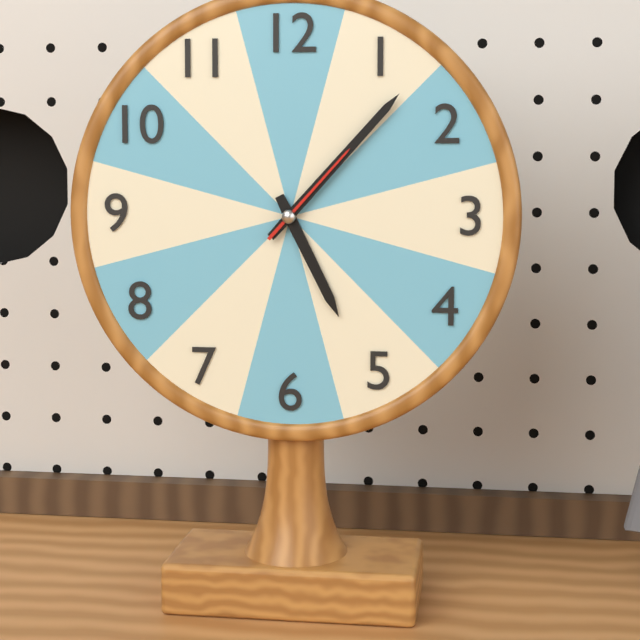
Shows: h=5 m=7 s=7
